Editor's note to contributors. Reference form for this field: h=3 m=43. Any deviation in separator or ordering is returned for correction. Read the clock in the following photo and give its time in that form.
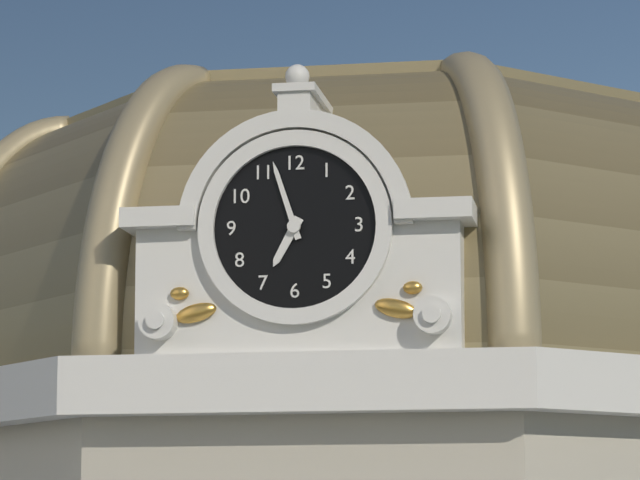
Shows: h=6 m=57
